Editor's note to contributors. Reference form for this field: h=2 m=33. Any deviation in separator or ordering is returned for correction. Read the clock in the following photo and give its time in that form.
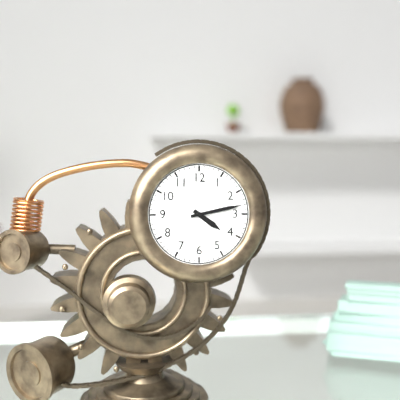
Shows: h=4 m=13
